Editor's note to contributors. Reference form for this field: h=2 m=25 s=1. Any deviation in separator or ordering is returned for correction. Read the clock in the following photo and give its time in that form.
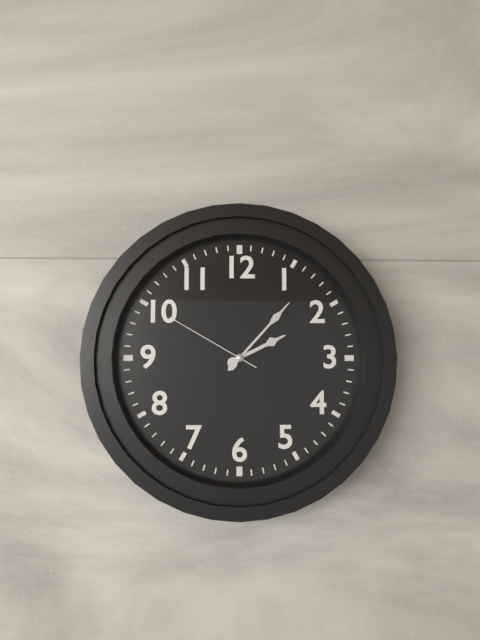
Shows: h=2 m=7 s=50
